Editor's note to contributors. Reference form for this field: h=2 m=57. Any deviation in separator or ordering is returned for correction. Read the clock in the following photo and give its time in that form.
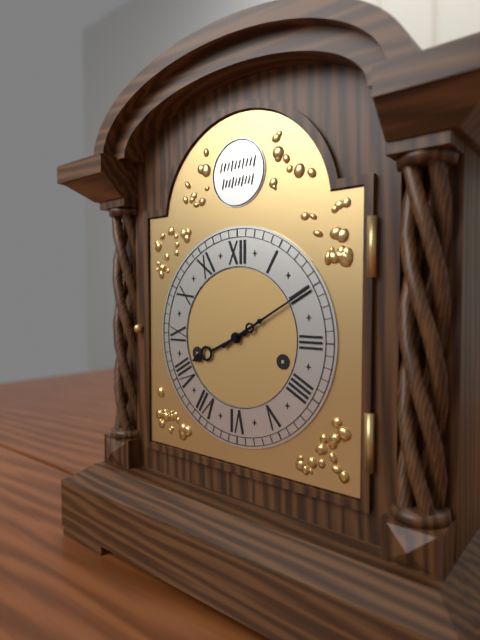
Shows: h=8 m=10
